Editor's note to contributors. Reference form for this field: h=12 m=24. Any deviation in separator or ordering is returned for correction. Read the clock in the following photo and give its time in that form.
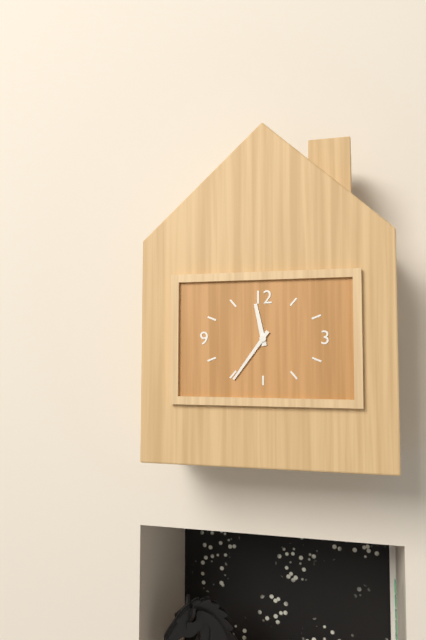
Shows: h=11 m=36
